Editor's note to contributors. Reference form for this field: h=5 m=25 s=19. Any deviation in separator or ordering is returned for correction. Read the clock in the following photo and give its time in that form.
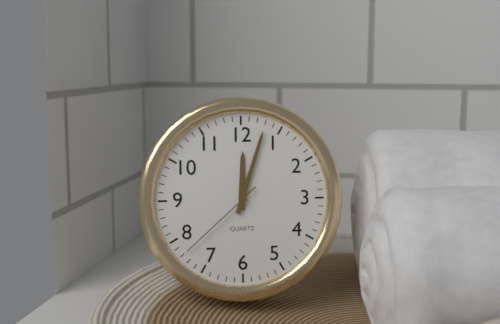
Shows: h=12 m=3 s=38
